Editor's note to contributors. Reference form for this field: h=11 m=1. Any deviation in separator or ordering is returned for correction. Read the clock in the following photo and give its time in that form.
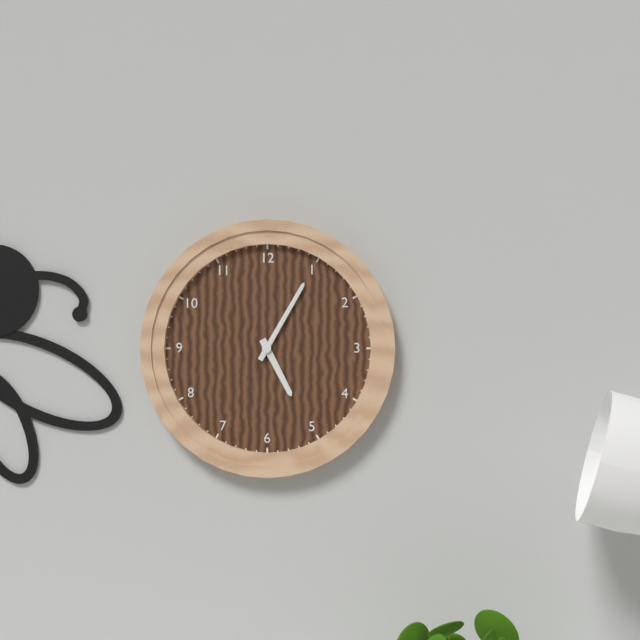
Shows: h=5 m=5
